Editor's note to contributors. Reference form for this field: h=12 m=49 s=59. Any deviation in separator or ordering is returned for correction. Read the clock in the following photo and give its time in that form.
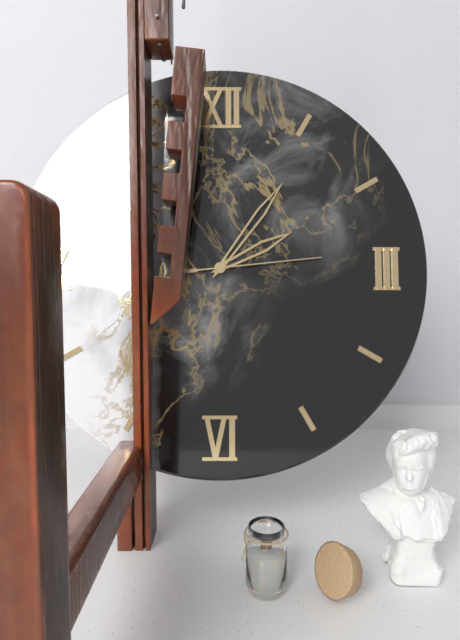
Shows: h=2 m=6 s=14
